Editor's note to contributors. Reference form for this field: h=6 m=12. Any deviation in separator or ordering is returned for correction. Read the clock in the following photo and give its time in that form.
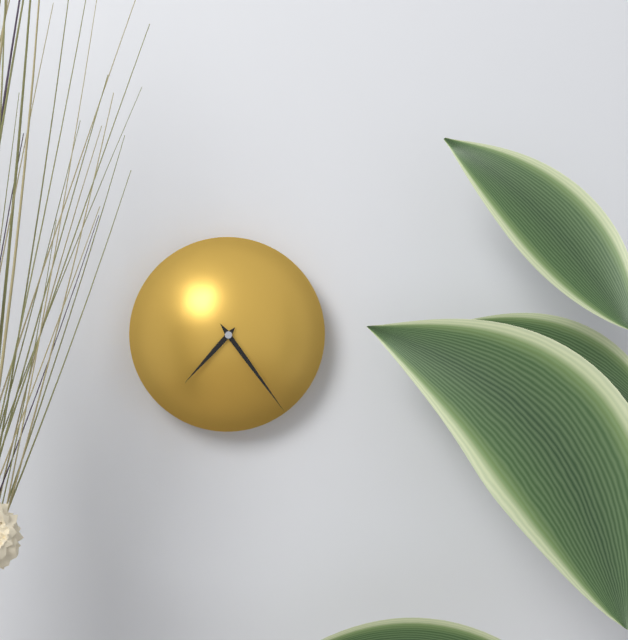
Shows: h=7 m=24
